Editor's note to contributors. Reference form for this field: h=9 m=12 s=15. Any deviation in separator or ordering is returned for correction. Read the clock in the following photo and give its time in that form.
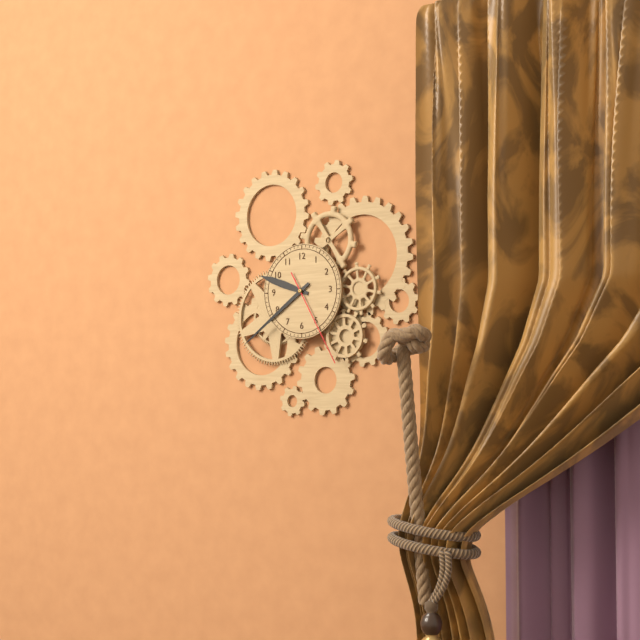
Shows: h=9 m=39 s=25
